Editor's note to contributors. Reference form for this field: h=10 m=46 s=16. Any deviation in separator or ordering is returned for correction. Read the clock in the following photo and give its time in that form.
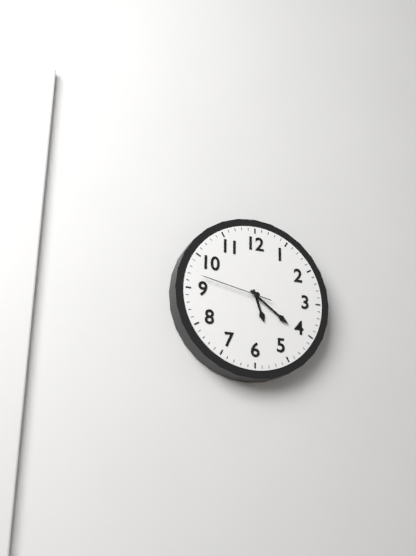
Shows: h=5 m=21 s=47
